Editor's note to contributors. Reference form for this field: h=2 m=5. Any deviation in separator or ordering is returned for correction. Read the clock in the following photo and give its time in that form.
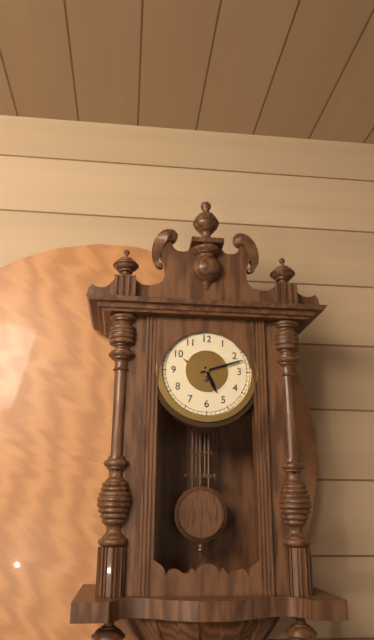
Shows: h=5 m=12
